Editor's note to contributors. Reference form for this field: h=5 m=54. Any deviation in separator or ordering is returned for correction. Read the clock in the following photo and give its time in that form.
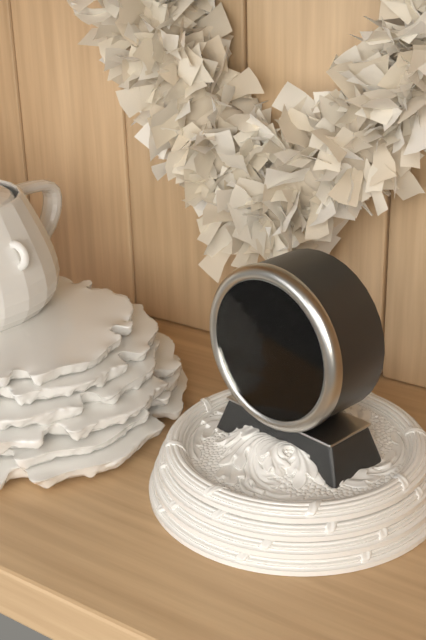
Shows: h=4 m=25
